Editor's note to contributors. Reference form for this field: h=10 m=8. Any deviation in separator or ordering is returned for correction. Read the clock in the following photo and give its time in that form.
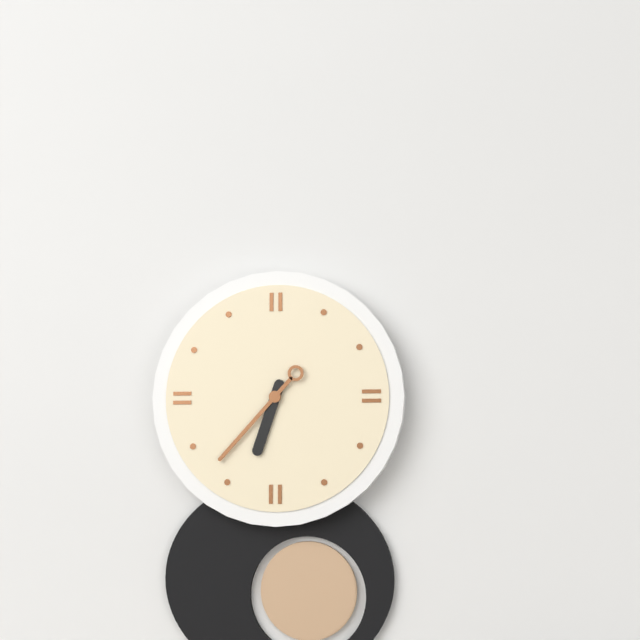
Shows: h=6 m=37
